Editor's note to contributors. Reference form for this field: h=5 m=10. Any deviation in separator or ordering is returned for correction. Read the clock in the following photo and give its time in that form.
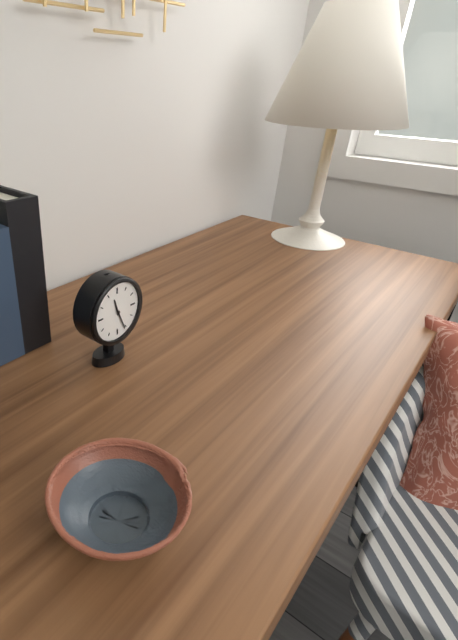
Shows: h=11 m=26
